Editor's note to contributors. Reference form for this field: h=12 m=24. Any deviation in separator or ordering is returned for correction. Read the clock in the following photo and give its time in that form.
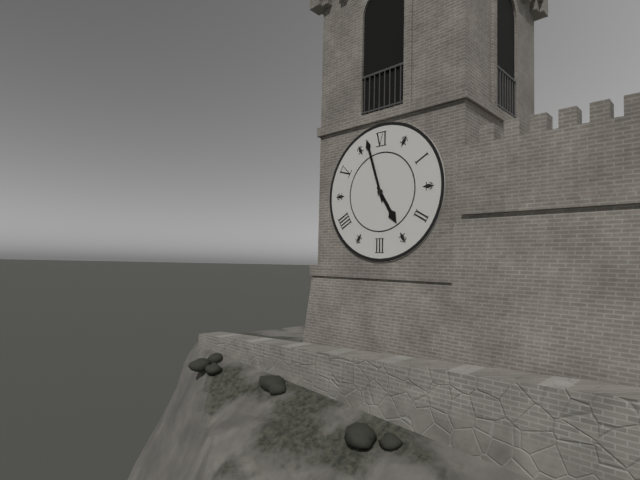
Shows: h=4 m=57
